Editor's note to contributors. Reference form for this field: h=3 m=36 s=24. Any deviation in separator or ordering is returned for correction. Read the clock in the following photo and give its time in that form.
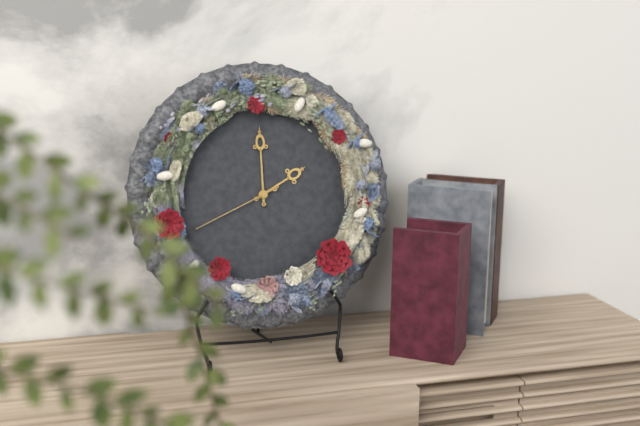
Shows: h=2 m=0 s=41
